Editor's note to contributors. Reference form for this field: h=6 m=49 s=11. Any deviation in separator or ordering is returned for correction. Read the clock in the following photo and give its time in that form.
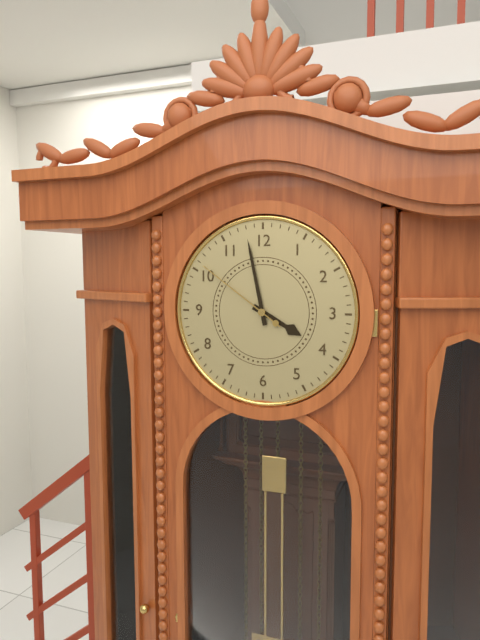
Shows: h=3 m=58 s=51
